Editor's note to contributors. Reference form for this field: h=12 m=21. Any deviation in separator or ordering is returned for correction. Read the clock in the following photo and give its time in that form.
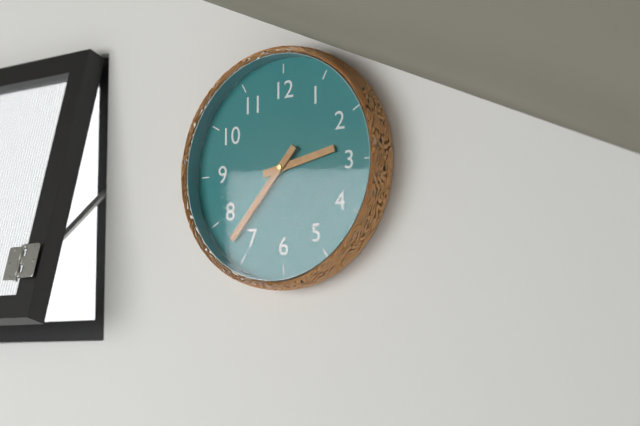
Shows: h=2 m=37
